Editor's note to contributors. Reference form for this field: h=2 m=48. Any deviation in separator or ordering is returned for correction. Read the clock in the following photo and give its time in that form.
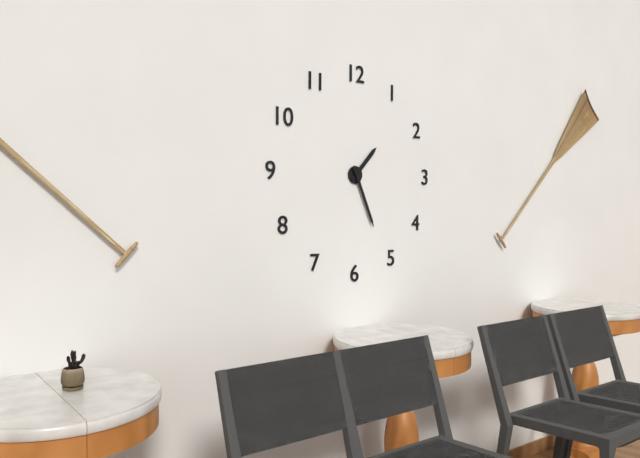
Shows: h=1 m=26
